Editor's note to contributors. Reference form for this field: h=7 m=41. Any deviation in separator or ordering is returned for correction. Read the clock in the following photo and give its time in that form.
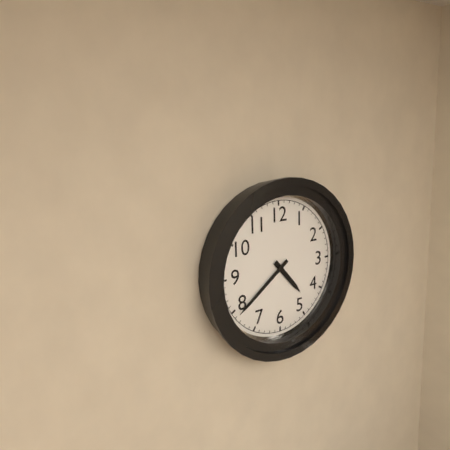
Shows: h=4 m=39
